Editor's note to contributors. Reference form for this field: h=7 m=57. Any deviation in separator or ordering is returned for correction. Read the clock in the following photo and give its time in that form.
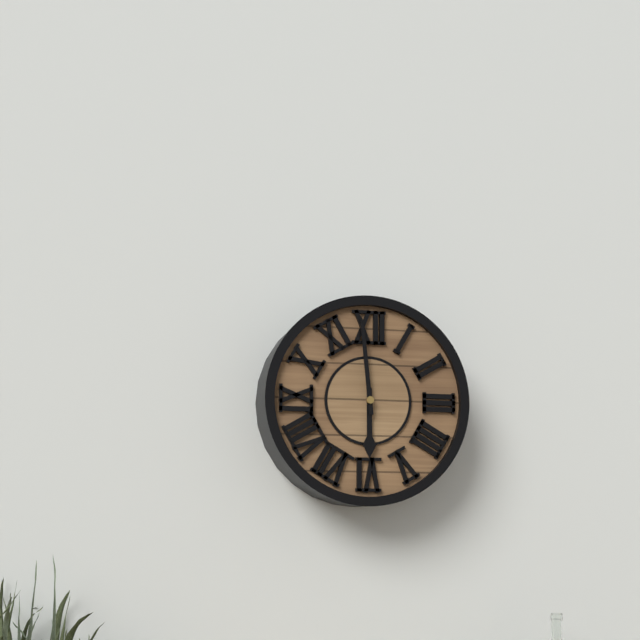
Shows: h=5 m=59
